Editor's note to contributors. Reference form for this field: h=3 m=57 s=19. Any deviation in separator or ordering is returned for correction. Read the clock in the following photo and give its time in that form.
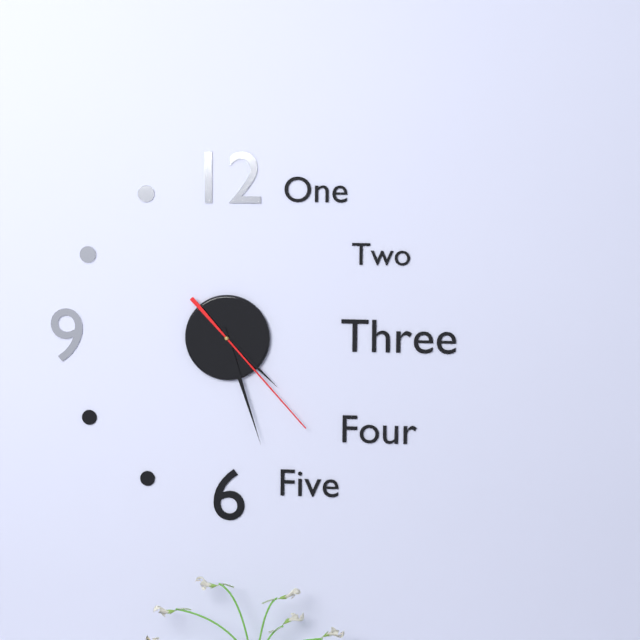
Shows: h=4 m=27 s=23
